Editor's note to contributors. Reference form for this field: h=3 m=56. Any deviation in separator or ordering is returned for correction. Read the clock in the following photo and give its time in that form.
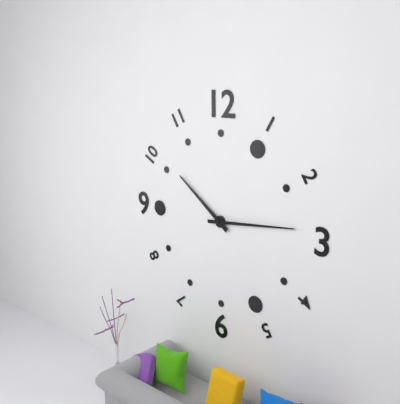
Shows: h=10 m=14
